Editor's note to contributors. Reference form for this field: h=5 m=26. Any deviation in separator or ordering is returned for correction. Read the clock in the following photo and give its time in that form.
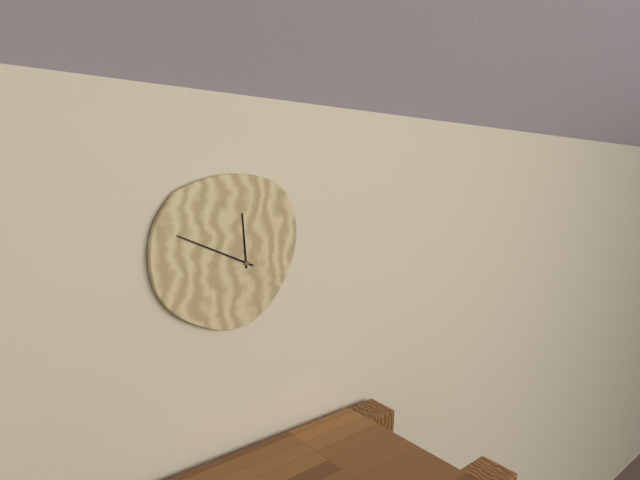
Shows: h=11 m=49
